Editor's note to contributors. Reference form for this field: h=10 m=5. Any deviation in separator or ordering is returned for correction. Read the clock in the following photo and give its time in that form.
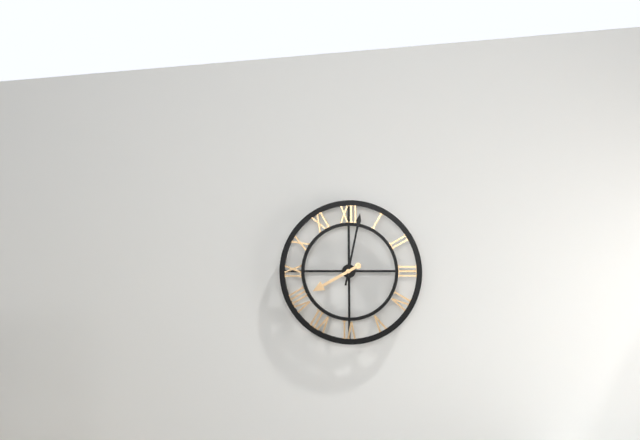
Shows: h=8 m=2
